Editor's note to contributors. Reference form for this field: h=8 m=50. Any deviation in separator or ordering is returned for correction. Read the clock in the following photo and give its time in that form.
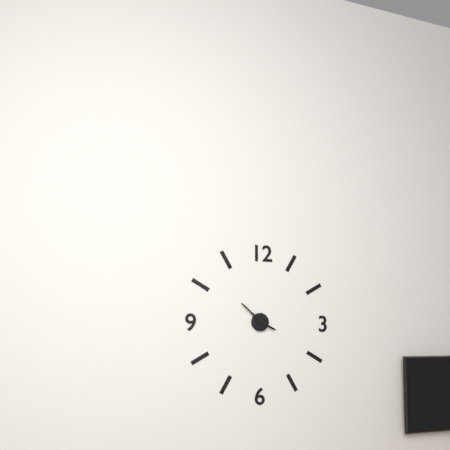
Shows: h=3 m=52
